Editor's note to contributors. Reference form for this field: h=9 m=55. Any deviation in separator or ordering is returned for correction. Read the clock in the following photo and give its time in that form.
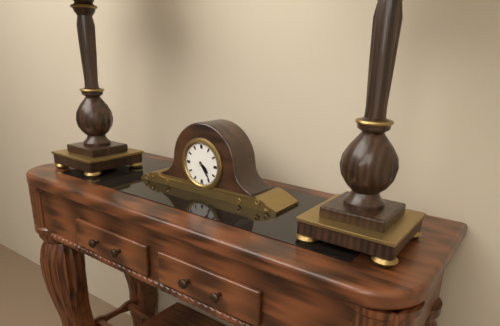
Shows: h=4 m=24
